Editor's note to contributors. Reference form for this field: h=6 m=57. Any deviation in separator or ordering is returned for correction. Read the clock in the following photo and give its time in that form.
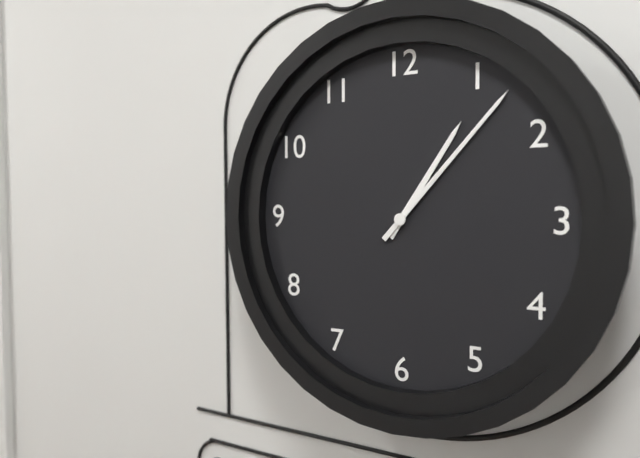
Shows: h=1 m=7
